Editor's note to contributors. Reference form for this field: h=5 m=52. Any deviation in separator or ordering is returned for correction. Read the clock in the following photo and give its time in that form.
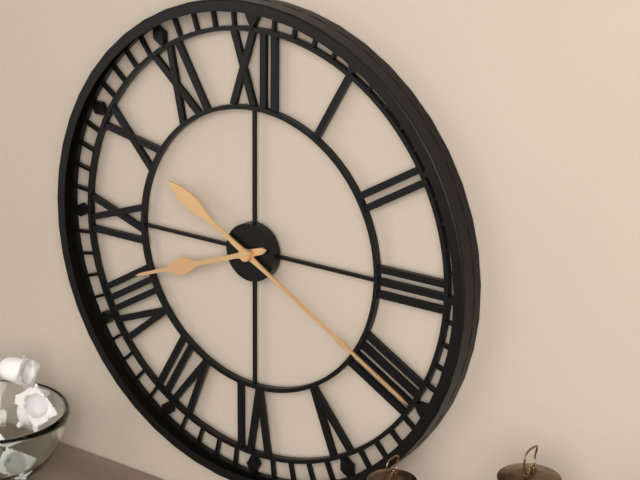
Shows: h=8 m=20
